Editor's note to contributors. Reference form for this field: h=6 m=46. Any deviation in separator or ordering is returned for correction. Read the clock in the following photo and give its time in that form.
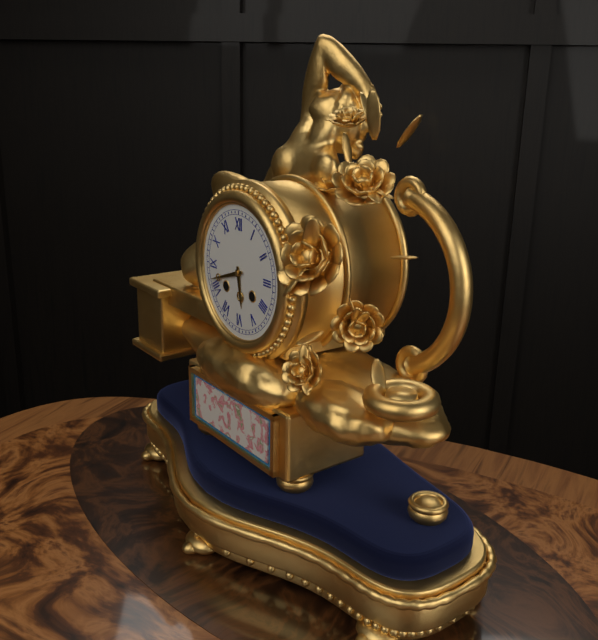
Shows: h=5 m=42
